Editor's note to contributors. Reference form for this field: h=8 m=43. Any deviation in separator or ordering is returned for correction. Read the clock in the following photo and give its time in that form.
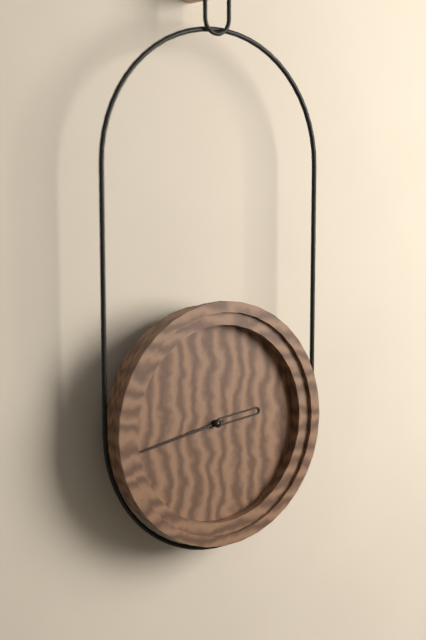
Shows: h=2 m=43
